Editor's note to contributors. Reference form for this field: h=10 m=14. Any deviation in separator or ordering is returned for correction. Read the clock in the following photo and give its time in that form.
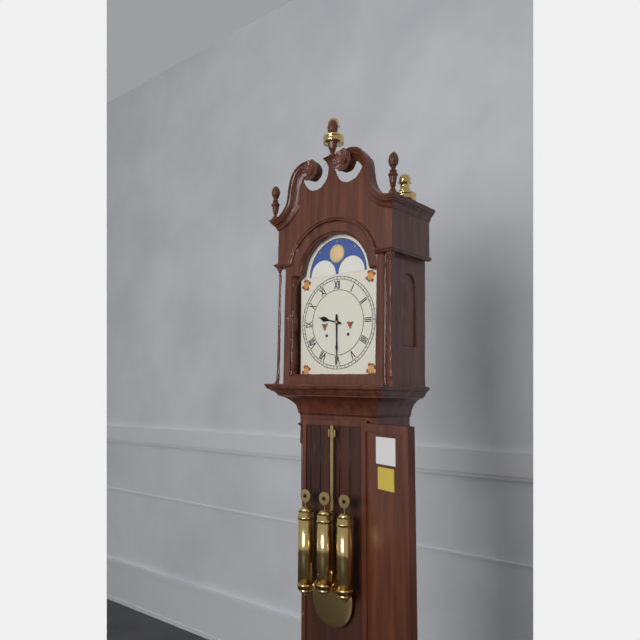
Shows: h=9 m=30
